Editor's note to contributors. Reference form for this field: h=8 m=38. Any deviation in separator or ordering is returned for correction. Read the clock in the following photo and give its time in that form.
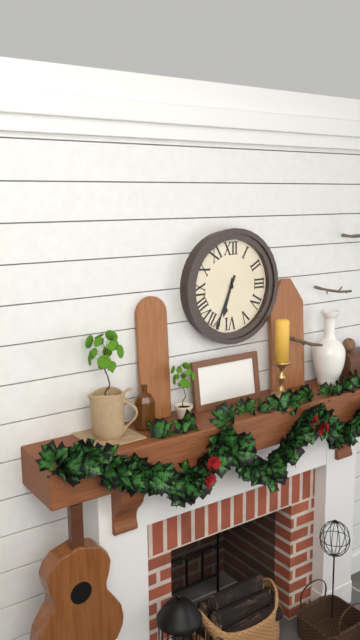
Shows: h=6 m=34
